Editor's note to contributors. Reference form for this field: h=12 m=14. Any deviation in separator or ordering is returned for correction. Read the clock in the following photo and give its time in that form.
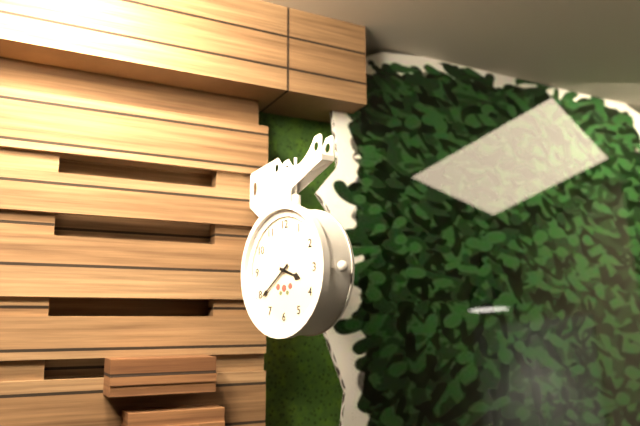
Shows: h=3 m=39
